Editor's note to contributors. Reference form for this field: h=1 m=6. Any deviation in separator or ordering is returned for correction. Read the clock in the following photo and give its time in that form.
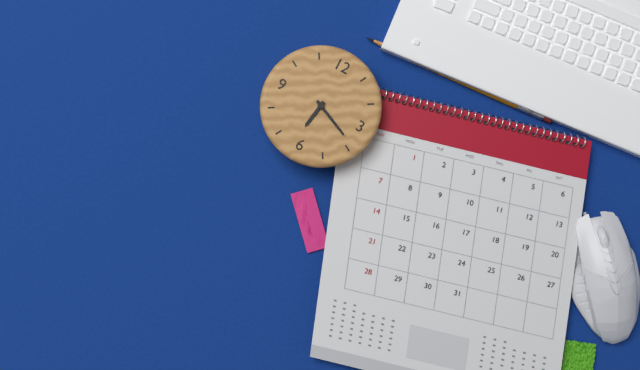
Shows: h=6 m=19
